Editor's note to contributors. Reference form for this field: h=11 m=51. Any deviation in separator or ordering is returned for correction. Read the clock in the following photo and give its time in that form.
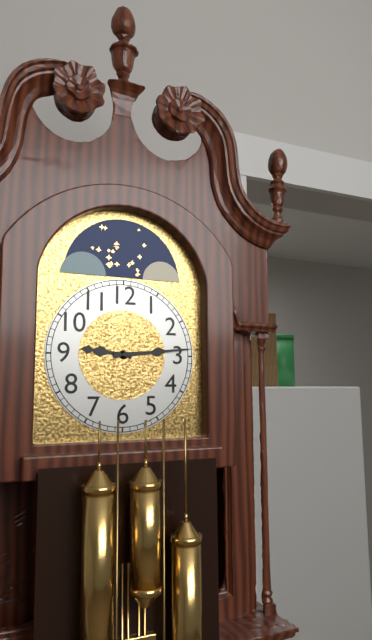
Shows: h=9 m=14
